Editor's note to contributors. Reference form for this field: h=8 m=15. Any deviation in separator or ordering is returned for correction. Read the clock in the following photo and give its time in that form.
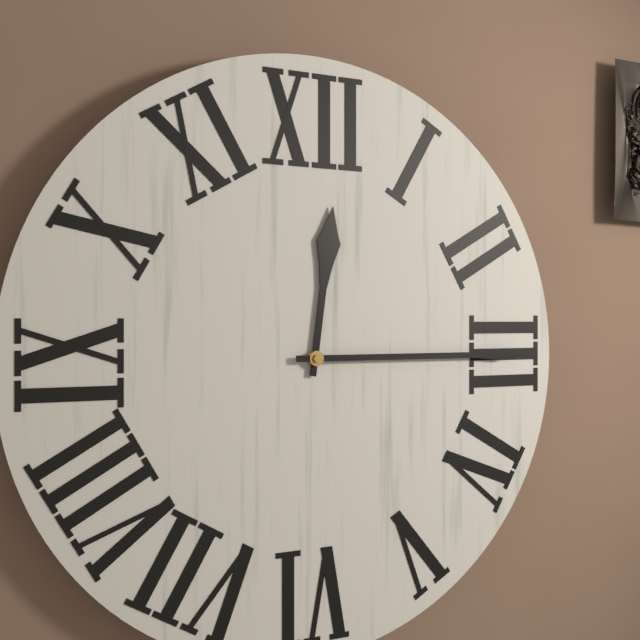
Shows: h=12 m=15
